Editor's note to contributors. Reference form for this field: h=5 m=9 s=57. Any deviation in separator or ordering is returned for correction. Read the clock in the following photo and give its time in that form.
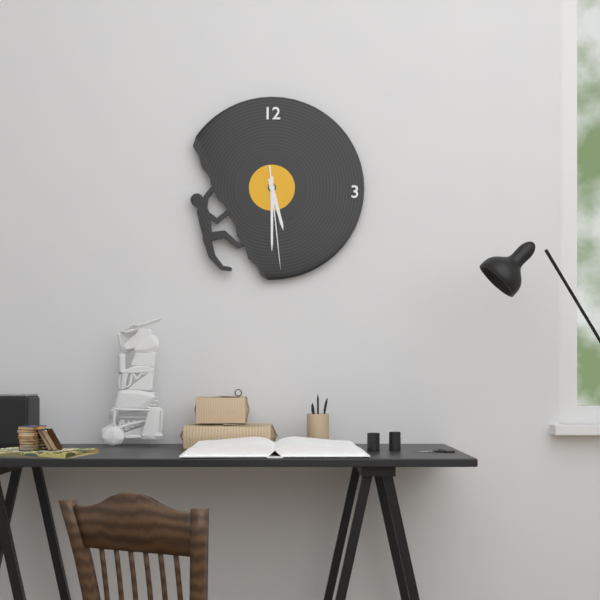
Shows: h=5 m=30 s=29
